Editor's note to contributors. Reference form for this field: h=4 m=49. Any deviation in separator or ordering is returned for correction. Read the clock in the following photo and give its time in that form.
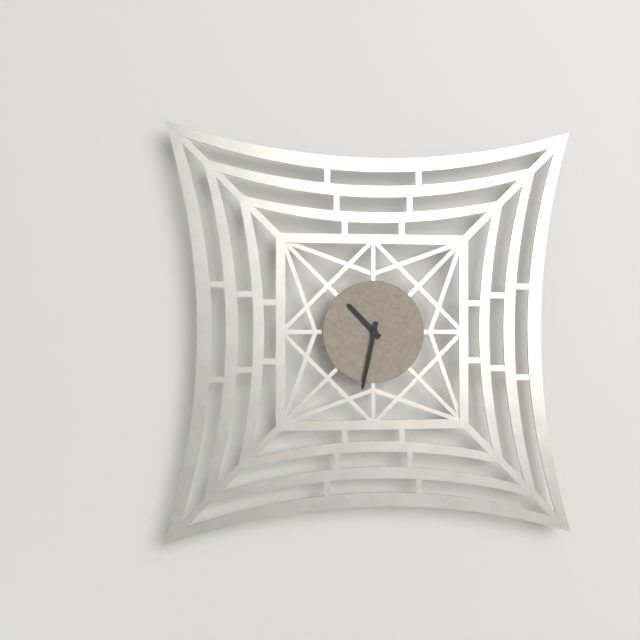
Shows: h=10 m=32
